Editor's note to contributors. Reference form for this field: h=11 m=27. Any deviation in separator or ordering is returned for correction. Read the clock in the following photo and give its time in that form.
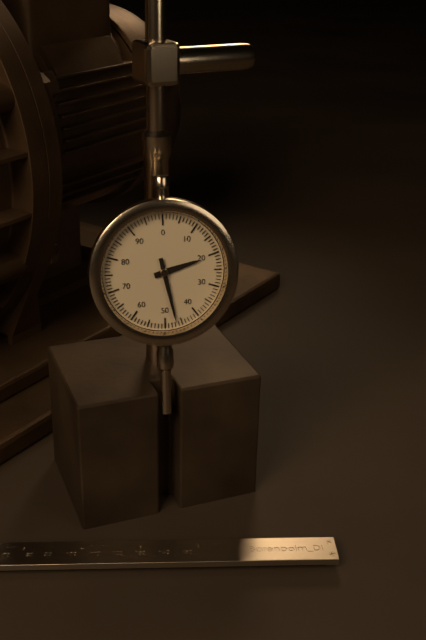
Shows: h=2 m=28
